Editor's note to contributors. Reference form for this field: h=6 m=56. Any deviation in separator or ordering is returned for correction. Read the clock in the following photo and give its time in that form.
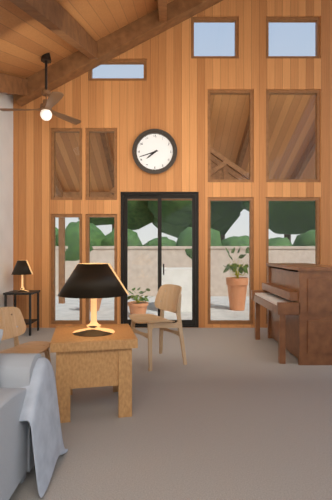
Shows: h=7 m=42
